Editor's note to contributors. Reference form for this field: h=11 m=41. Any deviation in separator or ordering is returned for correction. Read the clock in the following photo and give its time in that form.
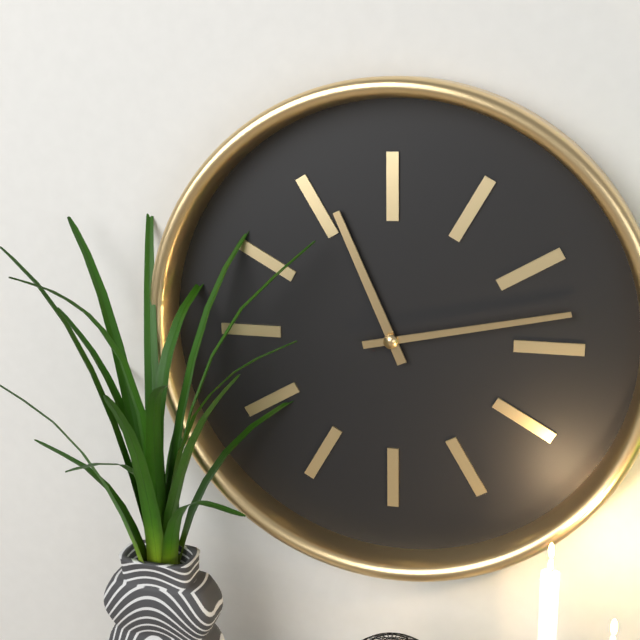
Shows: h=11 m=13
